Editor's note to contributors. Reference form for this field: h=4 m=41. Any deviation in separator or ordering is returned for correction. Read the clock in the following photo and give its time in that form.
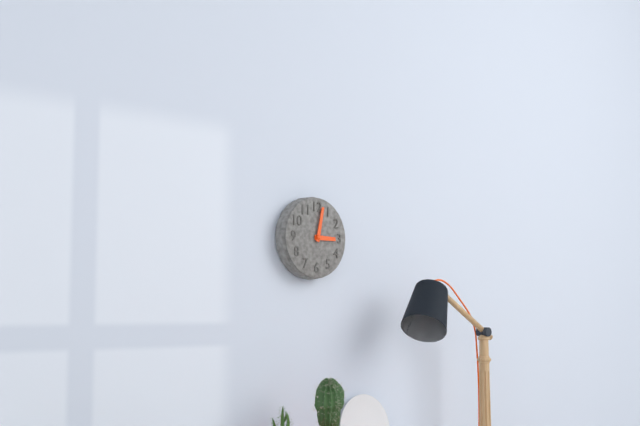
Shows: h=3 m=2
